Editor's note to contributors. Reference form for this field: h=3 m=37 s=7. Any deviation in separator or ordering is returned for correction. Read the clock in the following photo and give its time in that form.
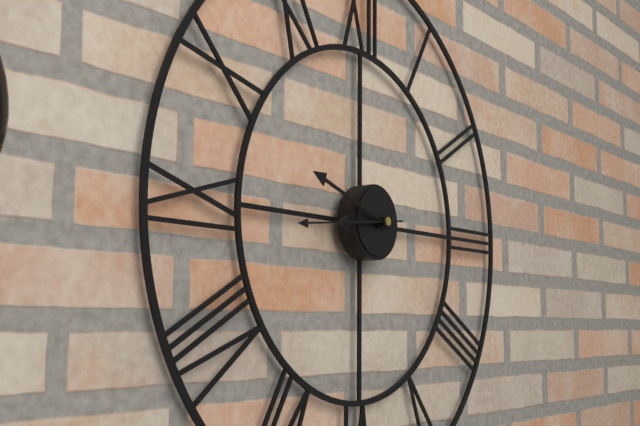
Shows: h=8 m=48 s=44
